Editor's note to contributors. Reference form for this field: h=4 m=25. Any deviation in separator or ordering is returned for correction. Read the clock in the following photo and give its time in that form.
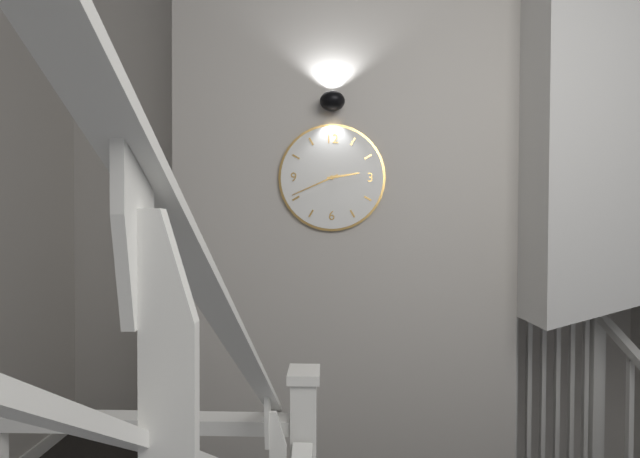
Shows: h=2 m=41
